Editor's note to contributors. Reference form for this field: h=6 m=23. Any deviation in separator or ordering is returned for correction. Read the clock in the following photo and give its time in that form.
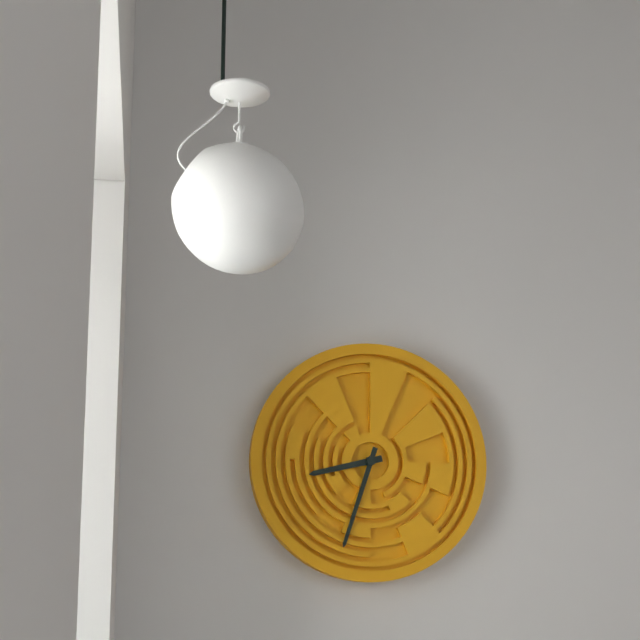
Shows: h=8 m=33
